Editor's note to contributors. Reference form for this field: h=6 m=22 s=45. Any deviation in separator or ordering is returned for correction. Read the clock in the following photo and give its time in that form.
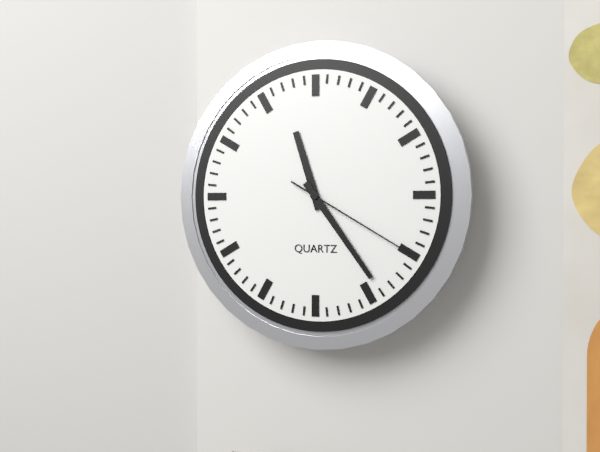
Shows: h=11 m=24 s=20
